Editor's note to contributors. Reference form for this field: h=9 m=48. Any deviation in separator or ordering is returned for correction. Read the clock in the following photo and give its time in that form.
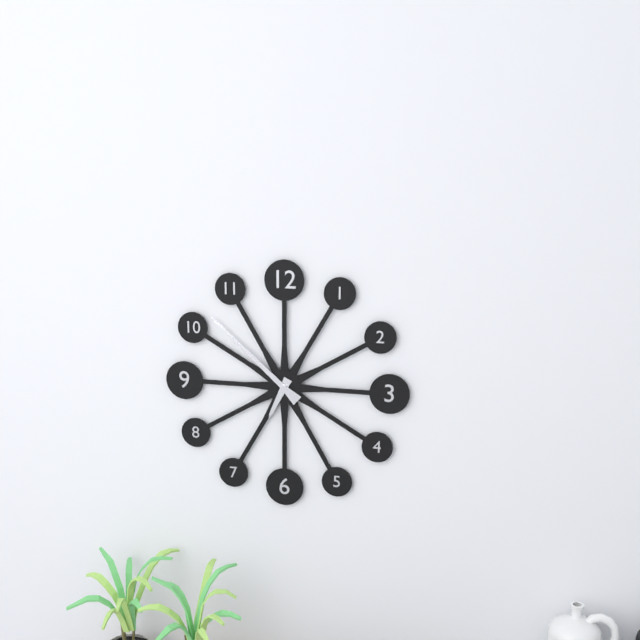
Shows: h=6 m=52
